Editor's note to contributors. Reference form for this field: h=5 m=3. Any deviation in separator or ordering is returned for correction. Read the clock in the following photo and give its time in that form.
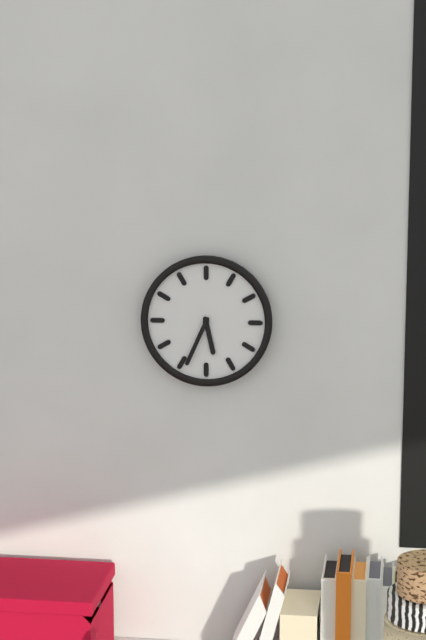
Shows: h=5 m=34
